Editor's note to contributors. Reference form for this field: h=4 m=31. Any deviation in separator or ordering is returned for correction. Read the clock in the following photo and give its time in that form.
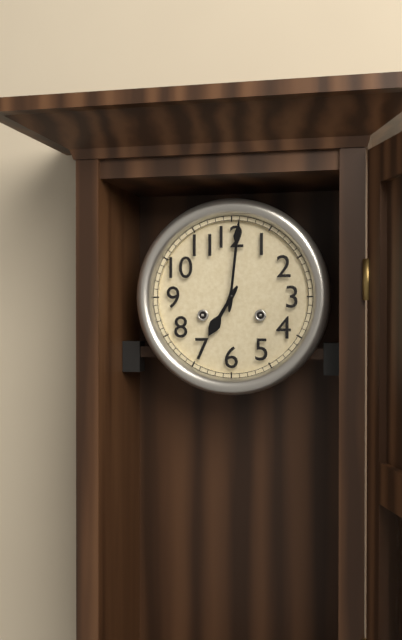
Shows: h=7 m=1
